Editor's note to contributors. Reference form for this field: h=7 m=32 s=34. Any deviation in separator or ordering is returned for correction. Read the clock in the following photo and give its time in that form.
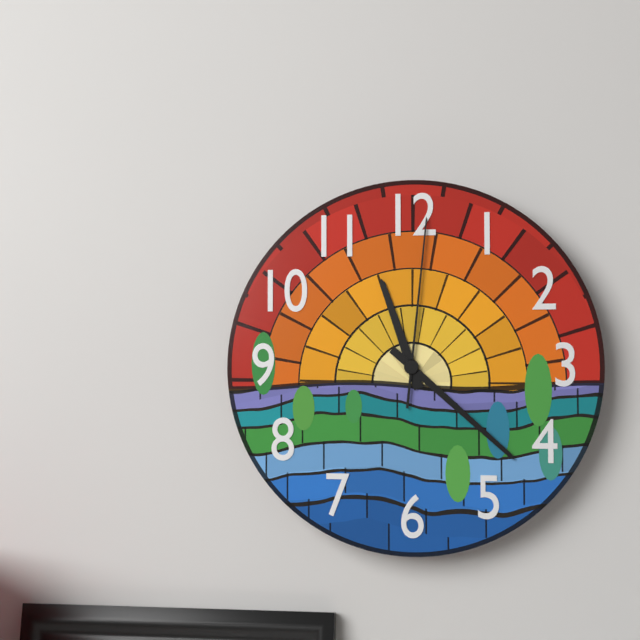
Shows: h=11 m=22 s=1
